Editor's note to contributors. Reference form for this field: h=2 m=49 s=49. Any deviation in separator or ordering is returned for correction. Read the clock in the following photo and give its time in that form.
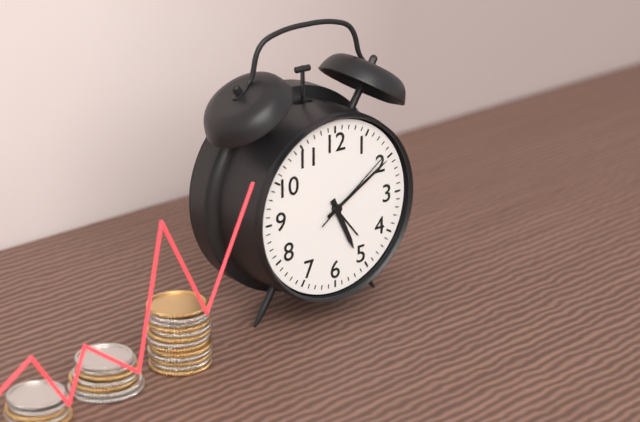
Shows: h=5 m=10 s=9
